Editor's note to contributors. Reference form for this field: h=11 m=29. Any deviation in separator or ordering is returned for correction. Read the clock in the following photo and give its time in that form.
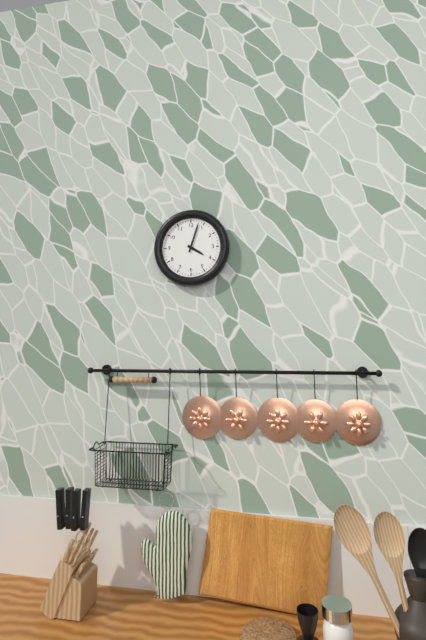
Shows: h=4 m=3
